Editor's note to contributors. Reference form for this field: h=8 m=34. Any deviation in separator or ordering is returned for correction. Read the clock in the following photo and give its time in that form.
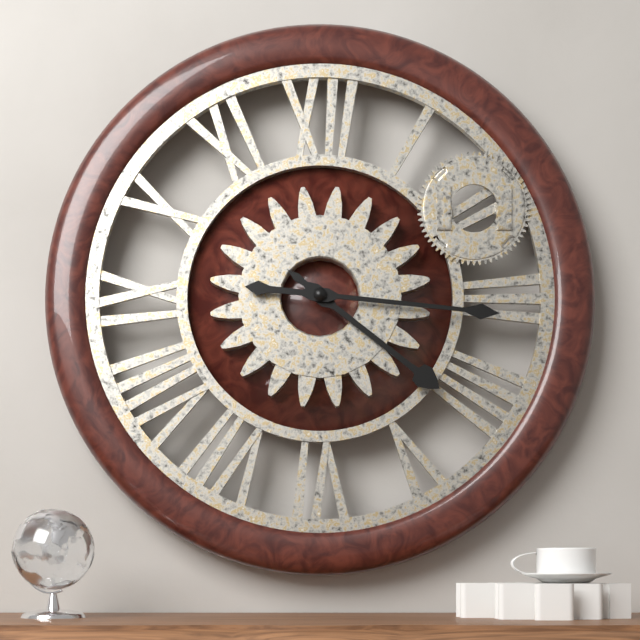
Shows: h=4 m=16
